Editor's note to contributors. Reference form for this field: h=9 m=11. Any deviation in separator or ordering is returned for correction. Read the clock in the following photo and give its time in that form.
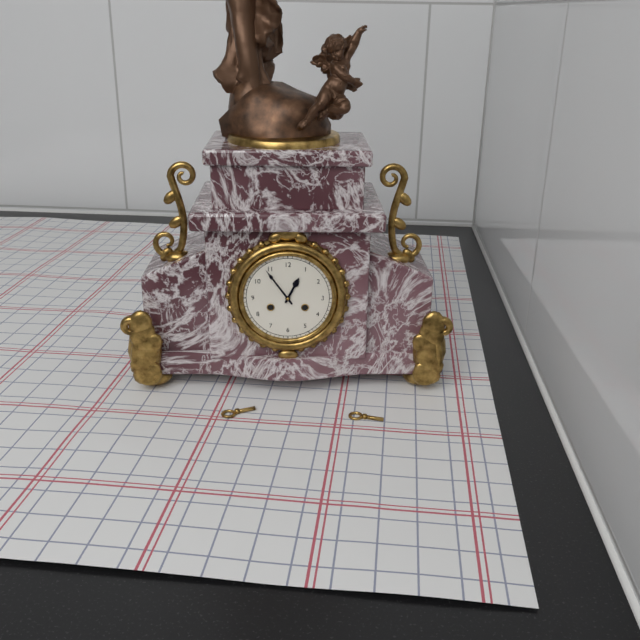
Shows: h=12 m=54
